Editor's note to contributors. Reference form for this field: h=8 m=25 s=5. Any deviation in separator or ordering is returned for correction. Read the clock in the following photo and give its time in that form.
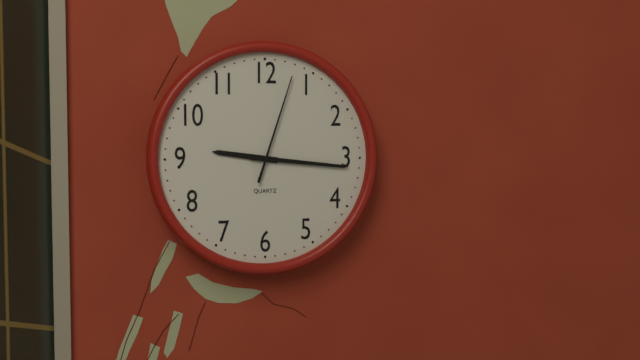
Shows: h=9 m=16 s=3
